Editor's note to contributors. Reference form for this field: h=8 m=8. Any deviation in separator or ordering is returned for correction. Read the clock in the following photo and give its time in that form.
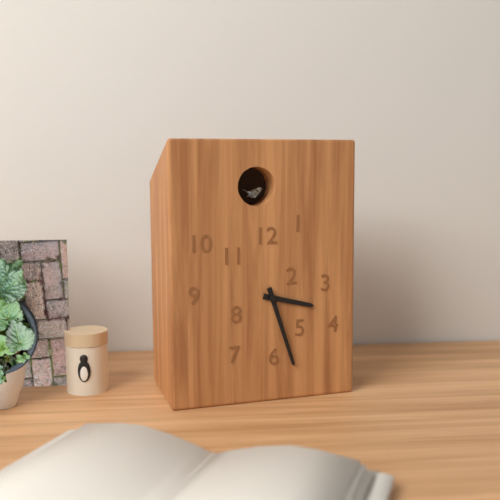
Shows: h=3 m=27
